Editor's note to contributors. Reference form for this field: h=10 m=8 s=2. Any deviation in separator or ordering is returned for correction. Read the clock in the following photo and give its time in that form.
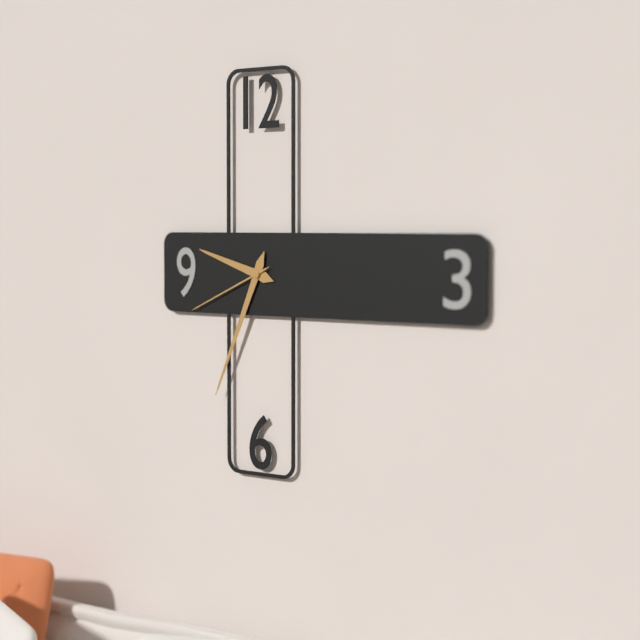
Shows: h=9 m=34 s=41
